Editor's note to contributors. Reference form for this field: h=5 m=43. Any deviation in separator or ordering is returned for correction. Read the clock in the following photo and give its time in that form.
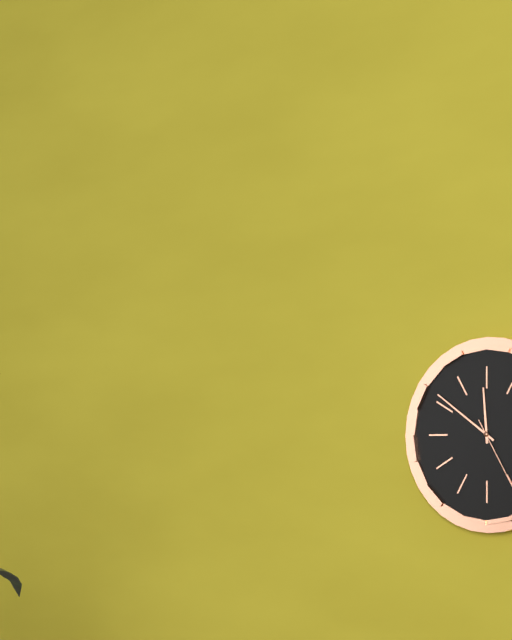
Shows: h=11 m=51
